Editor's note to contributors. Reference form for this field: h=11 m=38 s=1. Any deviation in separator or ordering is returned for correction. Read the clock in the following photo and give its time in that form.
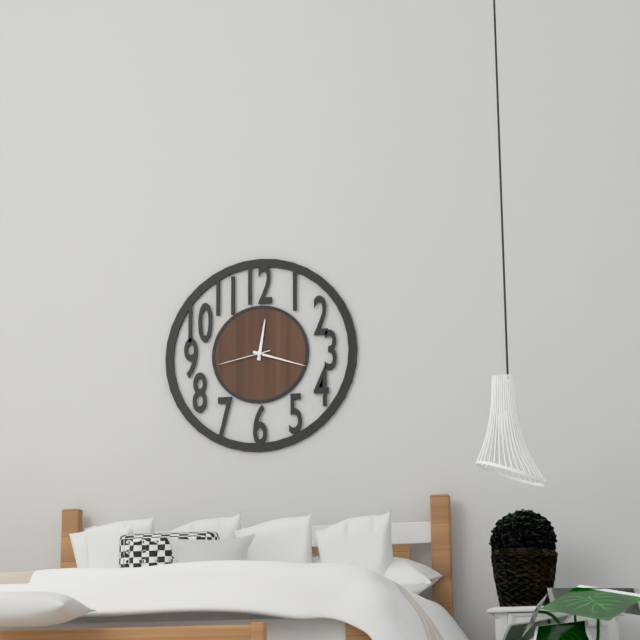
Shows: h=12 m=18 s=43
